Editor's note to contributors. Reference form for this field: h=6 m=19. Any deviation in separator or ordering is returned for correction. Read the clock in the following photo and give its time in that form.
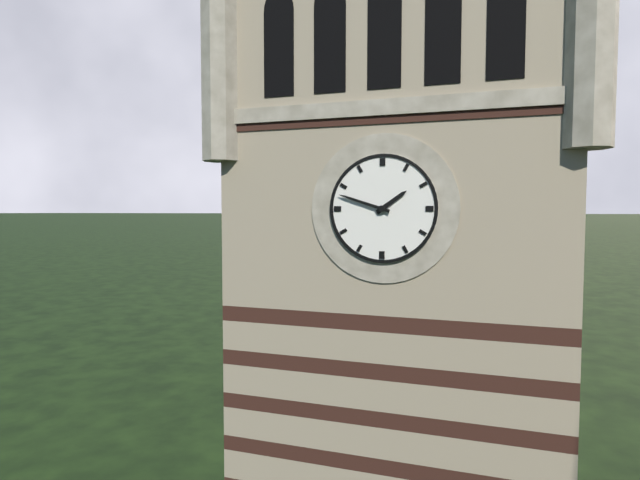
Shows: h=1 m=48
